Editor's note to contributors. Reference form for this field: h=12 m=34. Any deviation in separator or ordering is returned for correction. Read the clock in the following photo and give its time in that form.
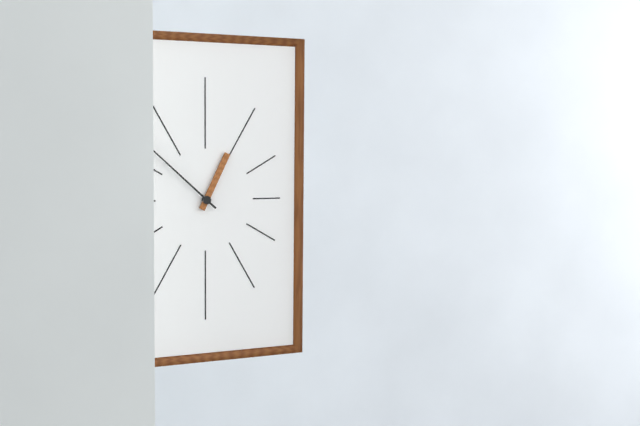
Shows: h=12 m=52
